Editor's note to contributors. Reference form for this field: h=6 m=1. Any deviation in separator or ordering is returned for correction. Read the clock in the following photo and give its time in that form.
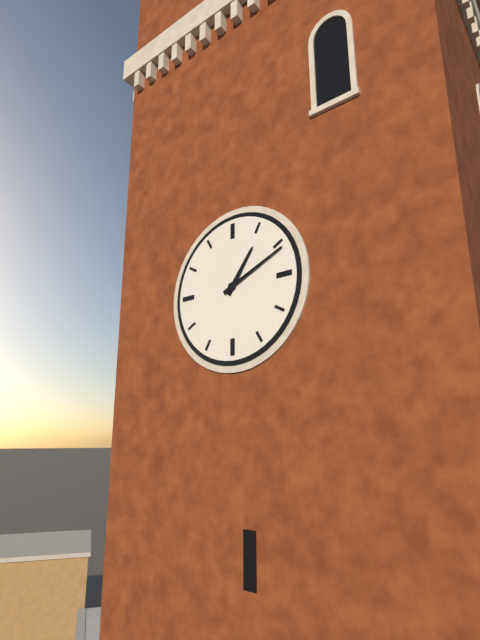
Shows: h=1 m=11
